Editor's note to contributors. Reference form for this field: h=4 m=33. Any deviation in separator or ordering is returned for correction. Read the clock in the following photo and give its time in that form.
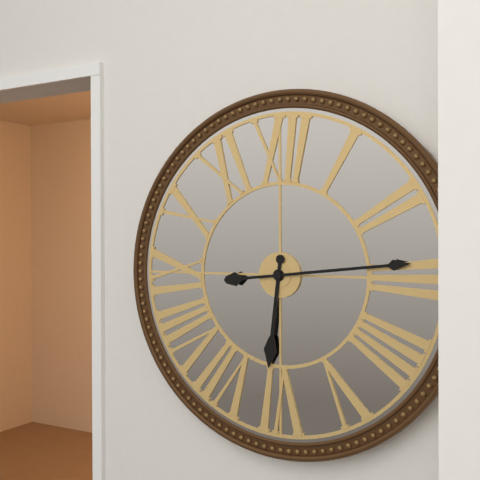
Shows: h=6 m=14
